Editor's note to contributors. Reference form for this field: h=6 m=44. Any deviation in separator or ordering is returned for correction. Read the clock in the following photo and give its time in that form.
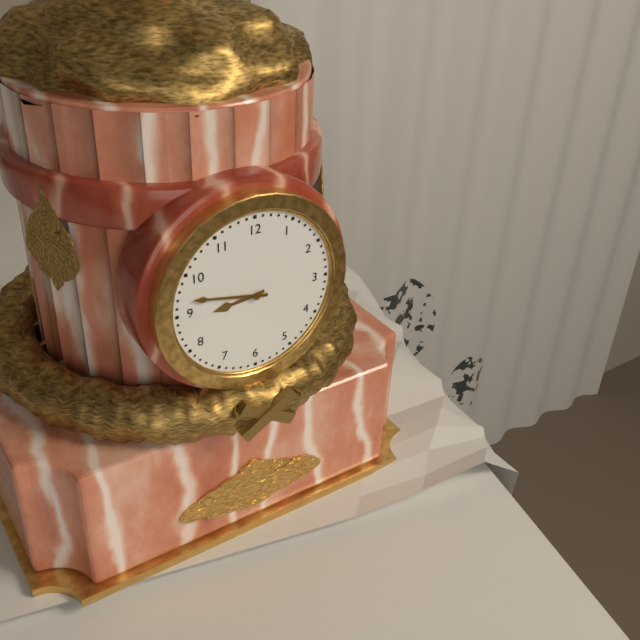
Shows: h=8 m=47
